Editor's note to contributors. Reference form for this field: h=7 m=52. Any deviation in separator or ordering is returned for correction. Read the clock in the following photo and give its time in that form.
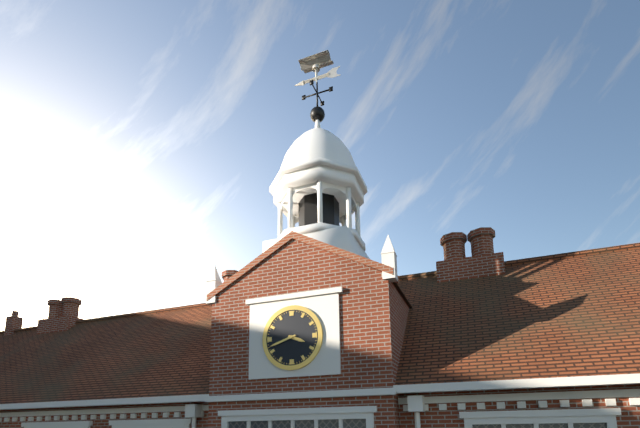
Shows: h=3 m=42
